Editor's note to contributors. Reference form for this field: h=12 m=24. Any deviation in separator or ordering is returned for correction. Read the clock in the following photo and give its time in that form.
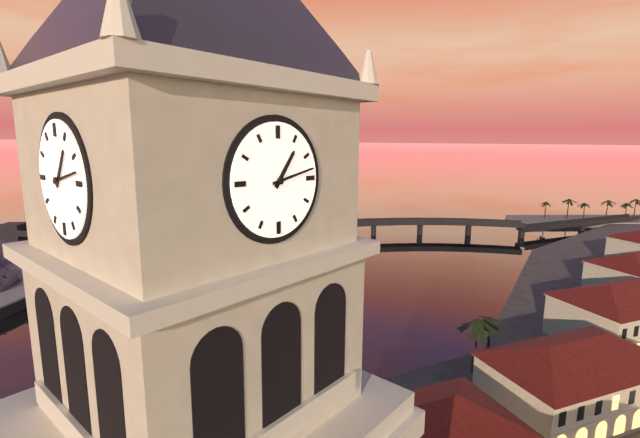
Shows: h=1 m=13
